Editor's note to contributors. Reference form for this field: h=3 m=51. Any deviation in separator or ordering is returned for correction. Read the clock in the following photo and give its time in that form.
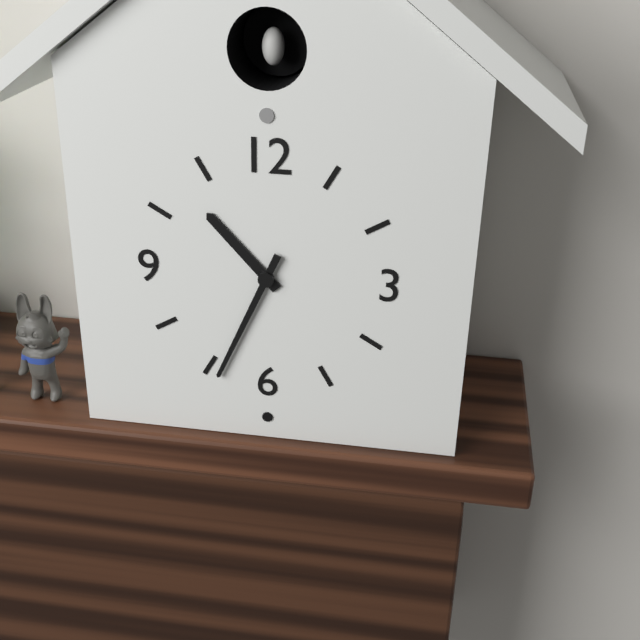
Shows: h=10 m=34
